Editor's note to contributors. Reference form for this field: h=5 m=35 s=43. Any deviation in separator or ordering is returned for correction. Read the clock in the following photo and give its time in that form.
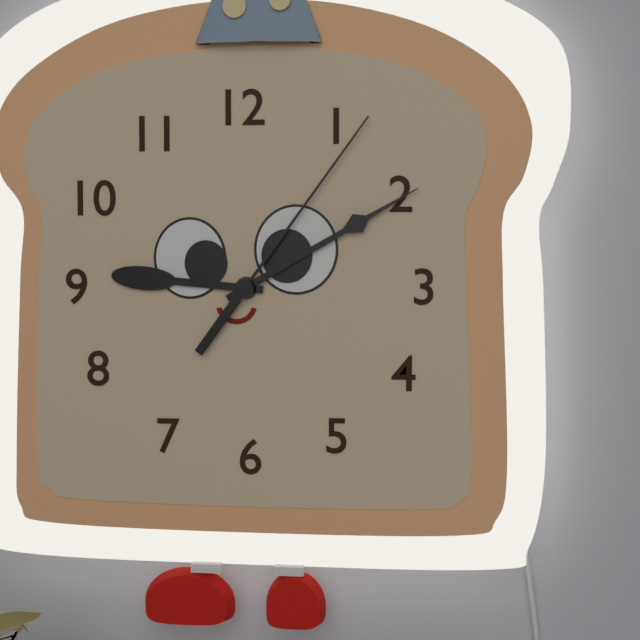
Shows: h=9 m=10 s=6
